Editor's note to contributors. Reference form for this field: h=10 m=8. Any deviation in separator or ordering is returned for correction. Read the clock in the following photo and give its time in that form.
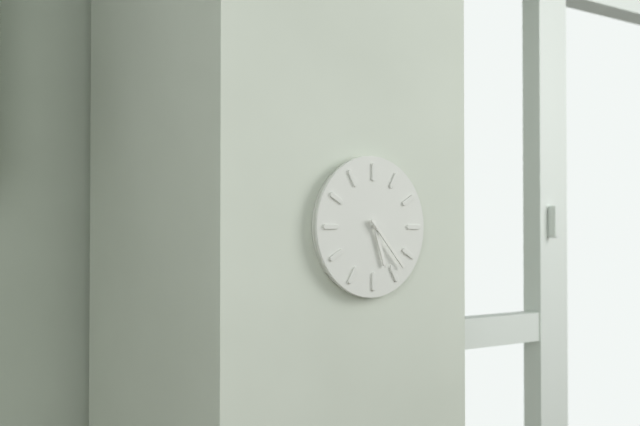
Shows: h=5 m=23
